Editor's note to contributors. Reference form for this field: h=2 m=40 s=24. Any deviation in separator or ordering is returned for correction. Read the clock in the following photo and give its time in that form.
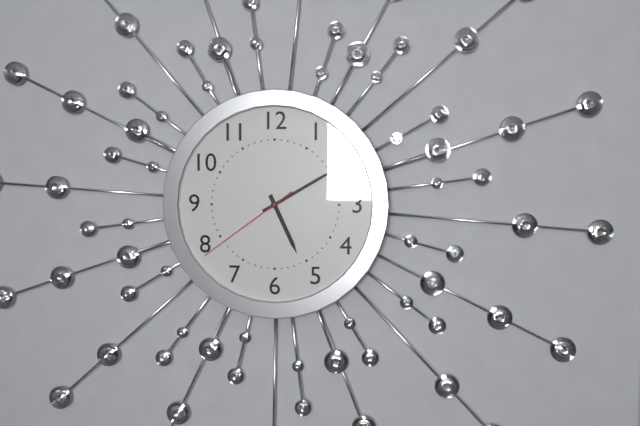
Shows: h=5 m=10 s=39
